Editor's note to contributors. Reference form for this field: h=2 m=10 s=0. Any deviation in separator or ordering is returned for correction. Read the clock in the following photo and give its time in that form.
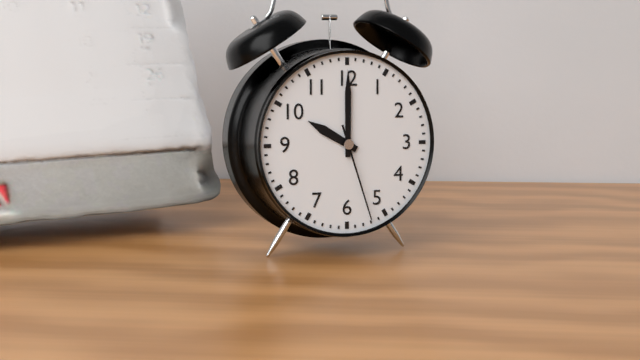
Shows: h=10 m=0 s=27
